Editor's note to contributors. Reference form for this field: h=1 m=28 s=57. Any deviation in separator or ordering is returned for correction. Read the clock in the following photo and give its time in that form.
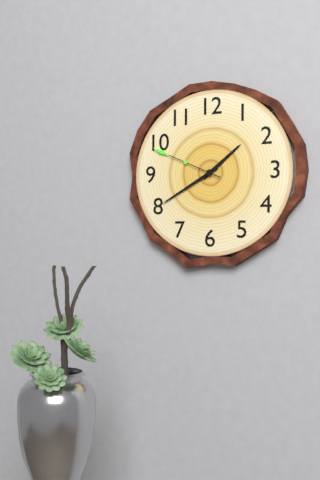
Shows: h=1 m=40 s=49
